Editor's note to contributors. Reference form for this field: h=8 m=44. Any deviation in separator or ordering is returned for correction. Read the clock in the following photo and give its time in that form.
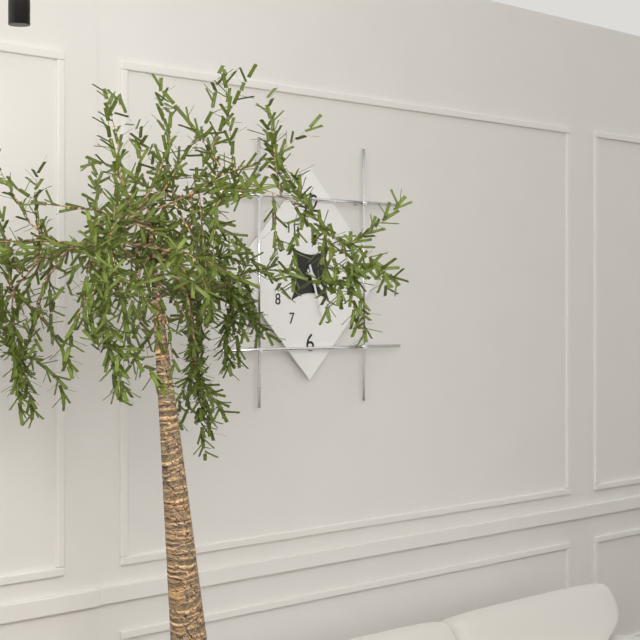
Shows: h=4 m=27
